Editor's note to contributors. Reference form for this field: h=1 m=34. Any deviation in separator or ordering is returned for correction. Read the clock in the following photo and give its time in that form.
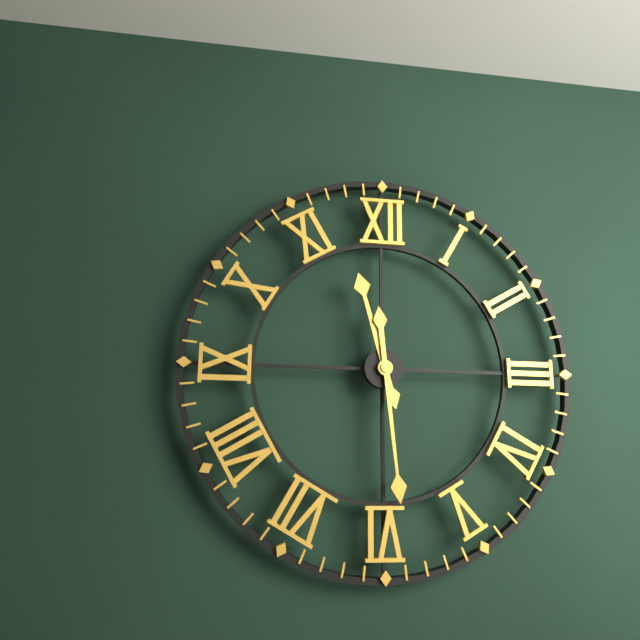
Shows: h=11 m=29
